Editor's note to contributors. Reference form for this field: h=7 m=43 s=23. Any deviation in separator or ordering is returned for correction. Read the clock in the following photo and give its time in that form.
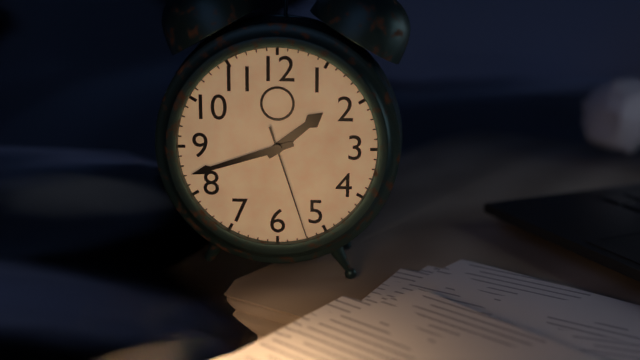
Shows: h=1 m=42 s=27
